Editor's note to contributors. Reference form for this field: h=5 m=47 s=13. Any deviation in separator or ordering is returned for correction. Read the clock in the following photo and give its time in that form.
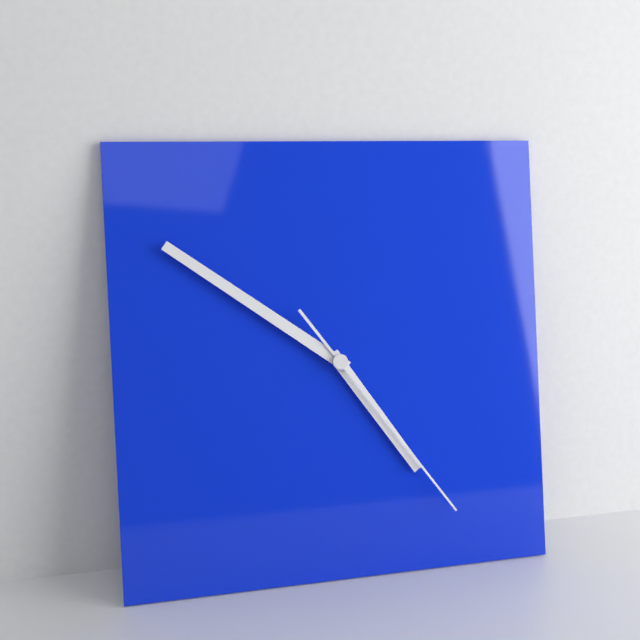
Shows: h=4 m=51 s=24
